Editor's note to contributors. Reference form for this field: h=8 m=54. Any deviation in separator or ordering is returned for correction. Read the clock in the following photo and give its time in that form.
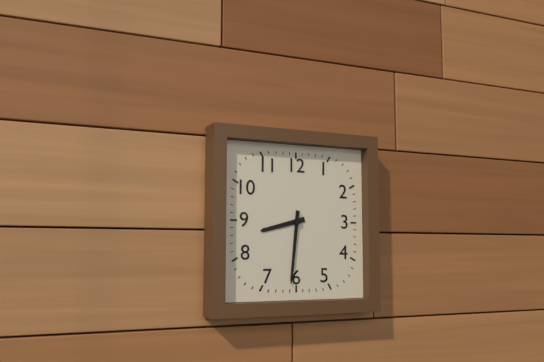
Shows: h=8 m=31
